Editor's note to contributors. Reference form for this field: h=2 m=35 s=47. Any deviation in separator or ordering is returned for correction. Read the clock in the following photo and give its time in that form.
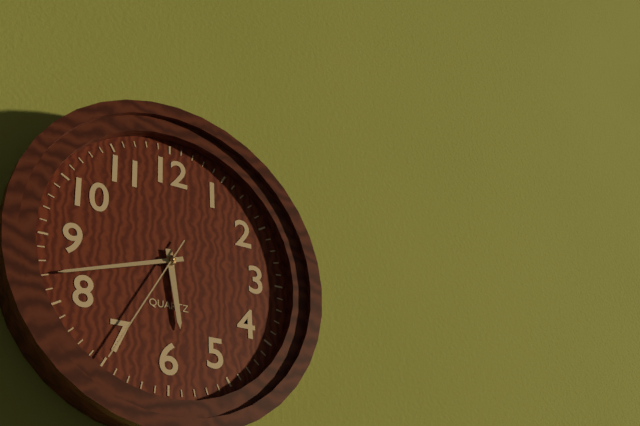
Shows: h=5 m=42 s=35
